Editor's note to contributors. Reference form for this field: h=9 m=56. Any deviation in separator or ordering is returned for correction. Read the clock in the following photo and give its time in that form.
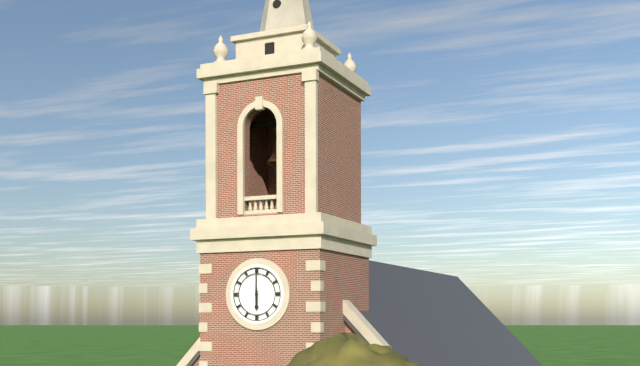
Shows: h=6 m=0
